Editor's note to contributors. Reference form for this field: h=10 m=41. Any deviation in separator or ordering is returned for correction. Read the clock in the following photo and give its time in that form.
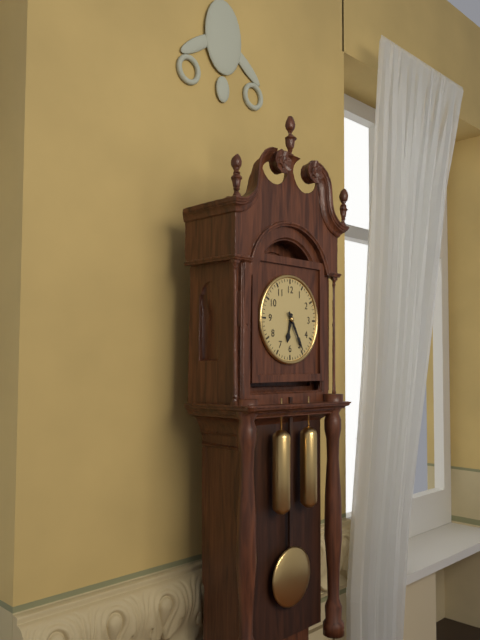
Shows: h=6 m=25
